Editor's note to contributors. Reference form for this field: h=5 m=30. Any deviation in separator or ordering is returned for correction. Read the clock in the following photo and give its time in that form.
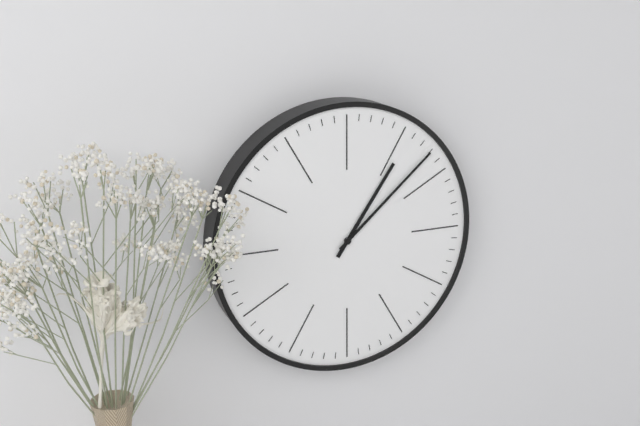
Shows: h=1 m=8
